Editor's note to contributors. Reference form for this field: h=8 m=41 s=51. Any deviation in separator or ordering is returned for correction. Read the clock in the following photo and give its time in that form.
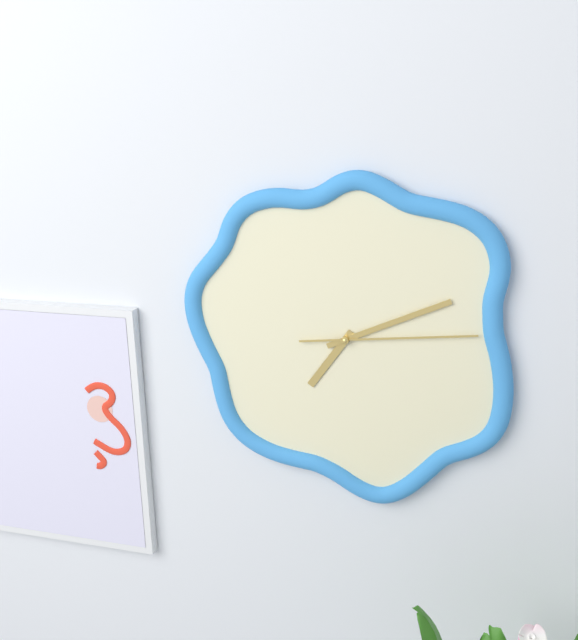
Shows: h=7 m=11 s=14
